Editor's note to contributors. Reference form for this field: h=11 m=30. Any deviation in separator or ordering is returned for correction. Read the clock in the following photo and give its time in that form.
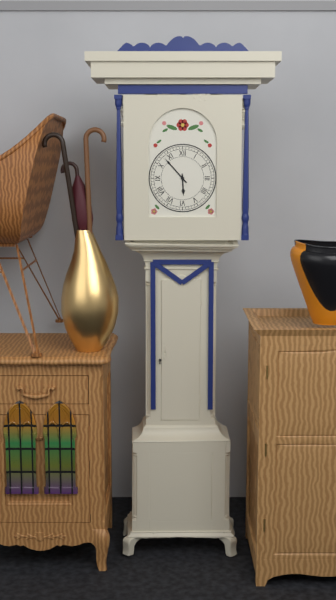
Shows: h=5 m=53
